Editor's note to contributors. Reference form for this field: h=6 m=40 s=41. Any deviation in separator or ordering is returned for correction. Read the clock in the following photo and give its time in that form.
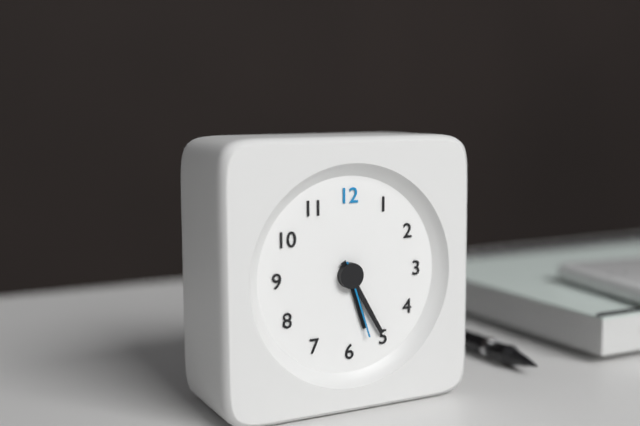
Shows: h=5 m=25 s=27
